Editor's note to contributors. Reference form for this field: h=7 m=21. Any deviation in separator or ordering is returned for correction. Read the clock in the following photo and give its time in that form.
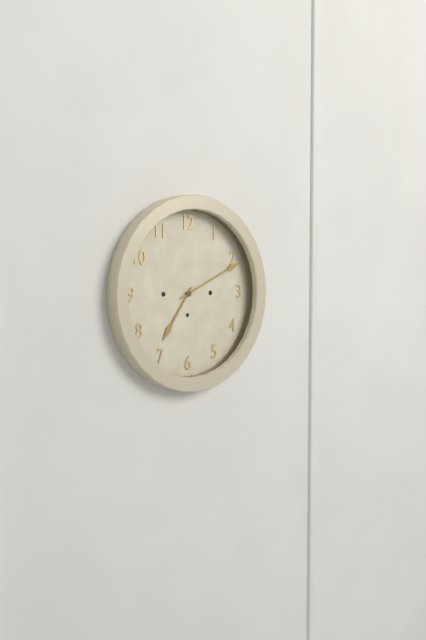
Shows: h=7 m=11
